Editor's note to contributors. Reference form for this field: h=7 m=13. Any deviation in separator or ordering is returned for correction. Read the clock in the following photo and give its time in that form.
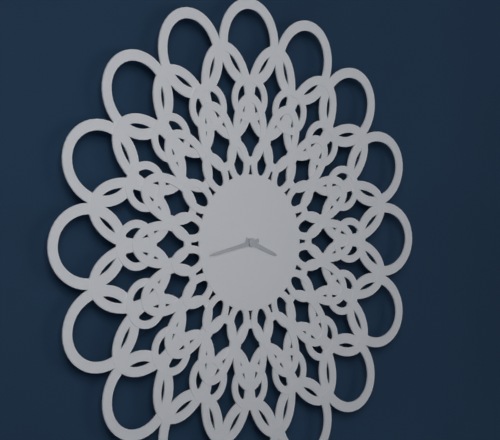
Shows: h=3 m=43
